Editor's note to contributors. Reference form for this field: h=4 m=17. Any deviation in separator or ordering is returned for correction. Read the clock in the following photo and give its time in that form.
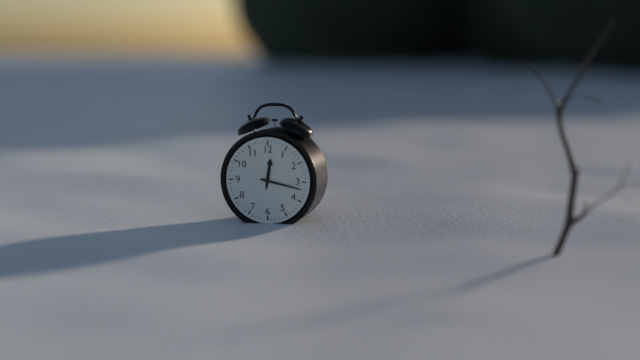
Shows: h=12 m=17
